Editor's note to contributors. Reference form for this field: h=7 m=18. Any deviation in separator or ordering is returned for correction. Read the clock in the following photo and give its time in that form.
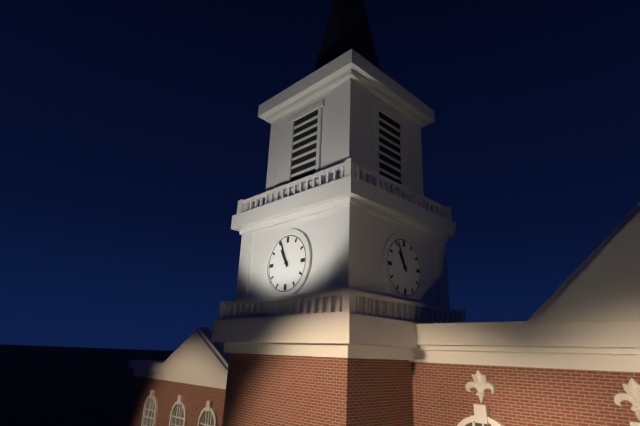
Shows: h=10 m=56
